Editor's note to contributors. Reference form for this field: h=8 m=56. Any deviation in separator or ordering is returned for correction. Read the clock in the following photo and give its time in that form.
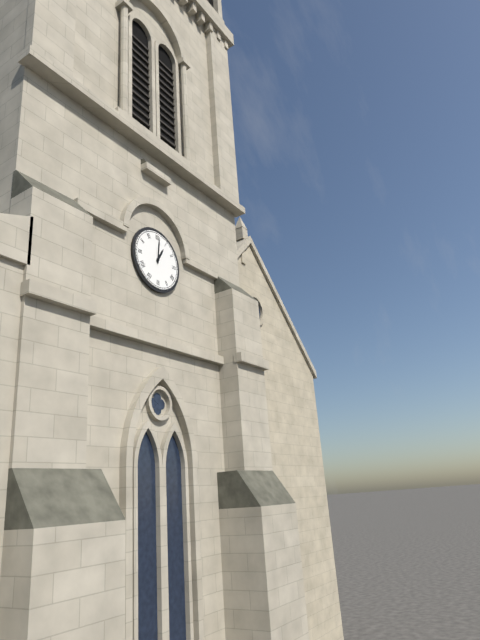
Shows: h=1 m=1
